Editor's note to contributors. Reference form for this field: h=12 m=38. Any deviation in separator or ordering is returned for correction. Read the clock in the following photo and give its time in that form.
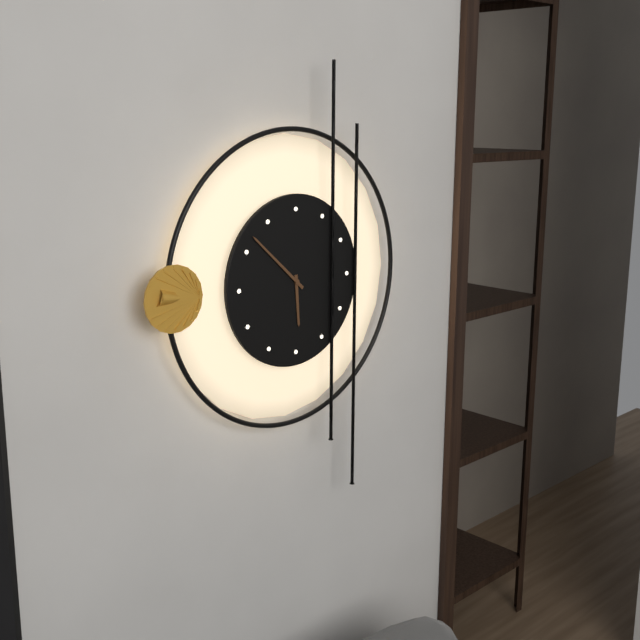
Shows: h=5 m=52
